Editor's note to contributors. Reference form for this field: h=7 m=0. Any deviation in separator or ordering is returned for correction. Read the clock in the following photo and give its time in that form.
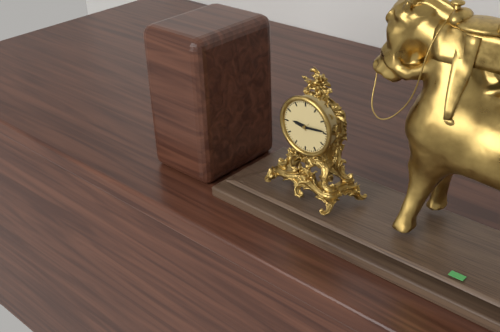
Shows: h=9 m=14
